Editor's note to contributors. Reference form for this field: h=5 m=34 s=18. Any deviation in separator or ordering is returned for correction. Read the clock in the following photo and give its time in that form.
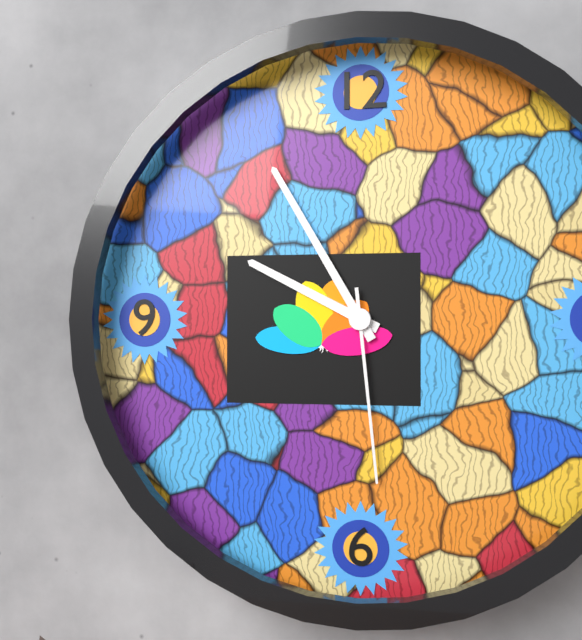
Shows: h=9 m=55 s=29
